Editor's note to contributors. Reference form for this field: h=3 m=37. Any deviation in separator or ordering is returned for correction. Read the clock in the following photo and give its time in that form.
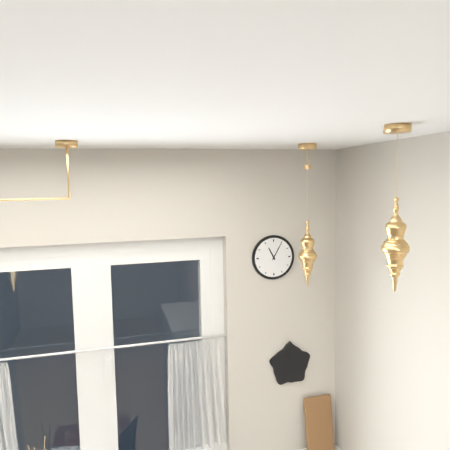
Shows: h=11 m=5
